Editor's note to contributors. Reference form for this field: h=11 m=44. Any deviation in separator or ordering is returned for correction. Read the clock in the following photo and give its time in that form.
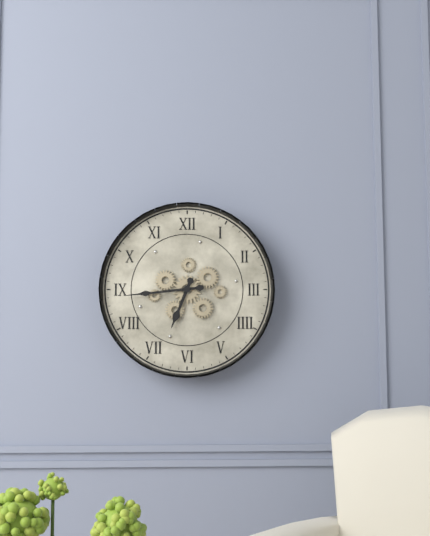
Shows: h=6 m=44
